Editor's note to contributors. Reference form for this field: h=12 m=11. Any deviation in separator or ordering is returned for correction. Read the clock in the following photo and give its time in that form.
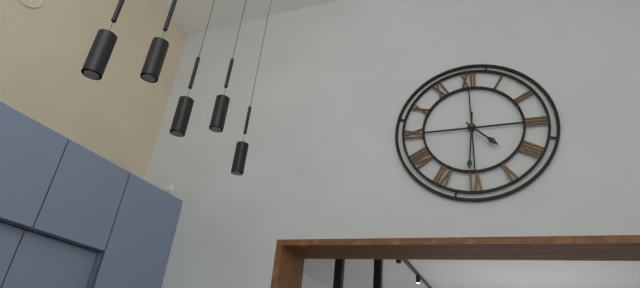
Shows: h=4 m=31
